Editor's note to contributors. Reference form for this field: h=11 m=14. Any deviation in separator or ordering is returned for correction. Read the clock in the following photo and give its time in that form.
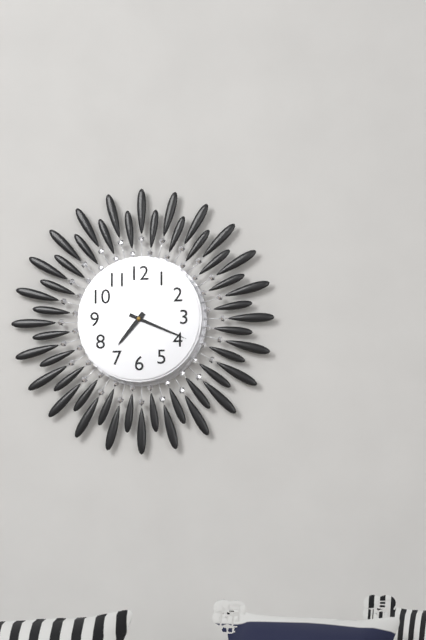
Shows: h=7 m=19
